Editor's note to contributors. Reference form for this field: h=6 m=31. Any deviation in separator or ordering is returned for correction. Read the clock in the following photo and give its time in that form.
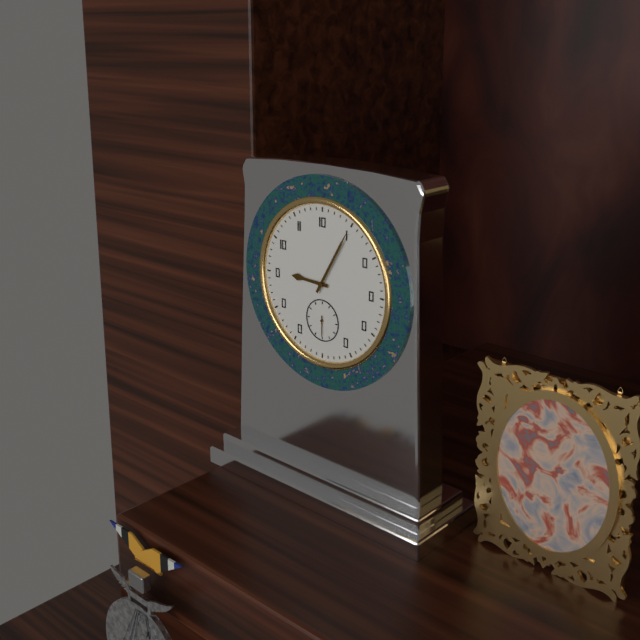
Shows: h=9 m=5
